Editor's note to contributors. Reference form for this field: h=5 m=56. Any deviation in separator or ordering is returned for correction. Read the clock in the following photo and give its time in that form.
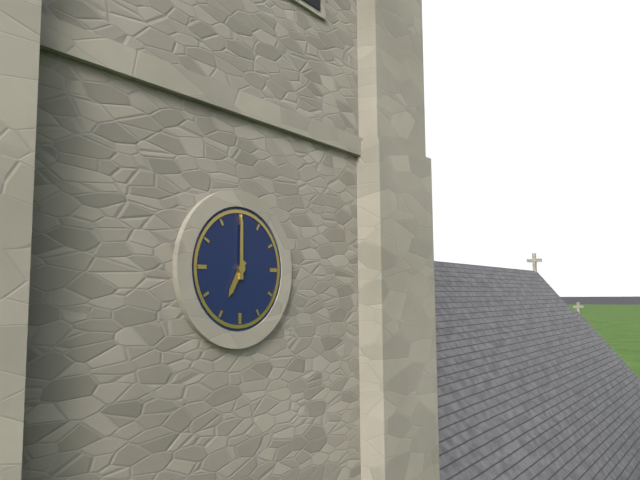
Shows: h=7 m=0
